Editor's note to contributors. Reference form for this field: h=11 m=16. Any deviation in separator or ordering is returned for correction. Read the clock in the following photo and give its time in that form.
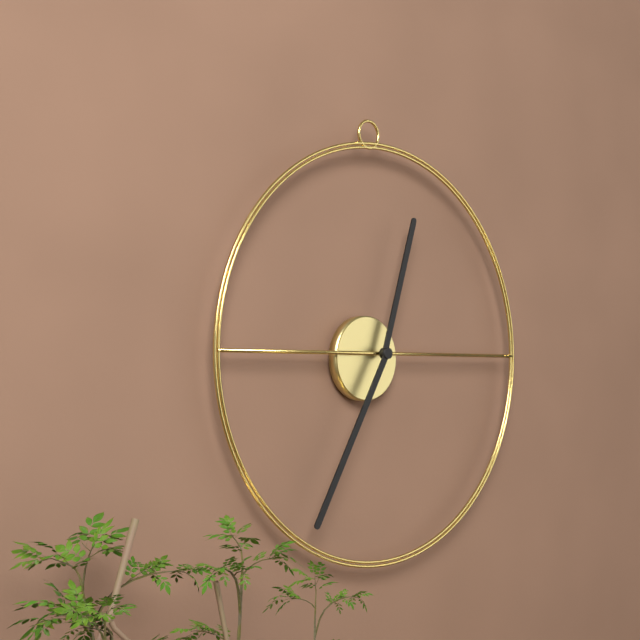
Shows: h=12 m=35
